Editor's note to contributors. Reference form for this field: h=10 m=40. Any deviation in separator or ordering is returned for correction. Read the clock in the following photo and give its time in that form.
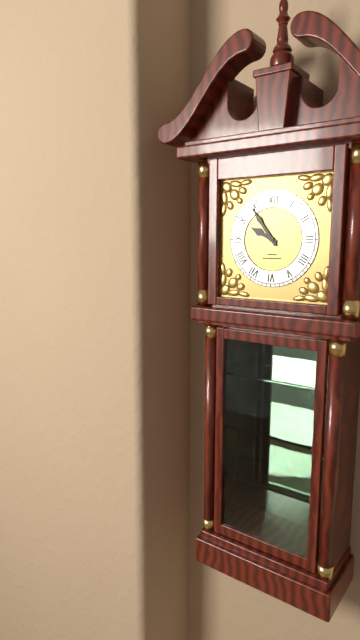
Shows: h=9 m=54
